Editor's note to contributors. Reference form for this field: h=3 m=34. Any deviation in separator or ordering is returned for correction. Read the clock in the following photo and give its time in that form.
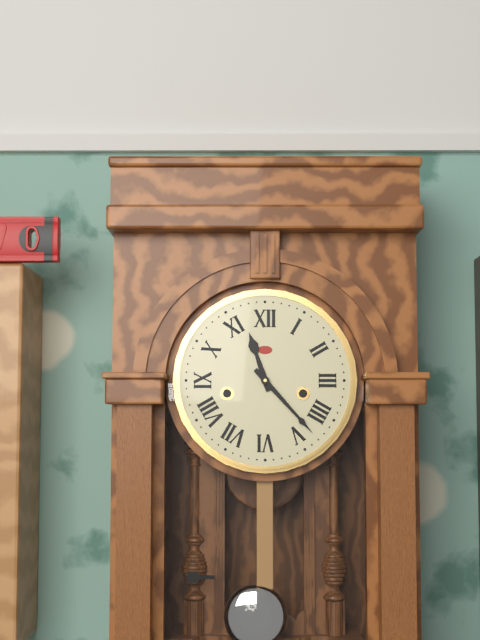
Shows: h=11 m=23
